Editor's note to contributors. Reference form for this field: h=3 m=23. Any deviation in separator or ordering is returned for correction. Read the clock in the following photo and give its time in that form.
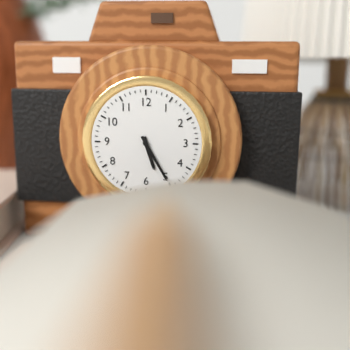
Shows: h=5 m=25
